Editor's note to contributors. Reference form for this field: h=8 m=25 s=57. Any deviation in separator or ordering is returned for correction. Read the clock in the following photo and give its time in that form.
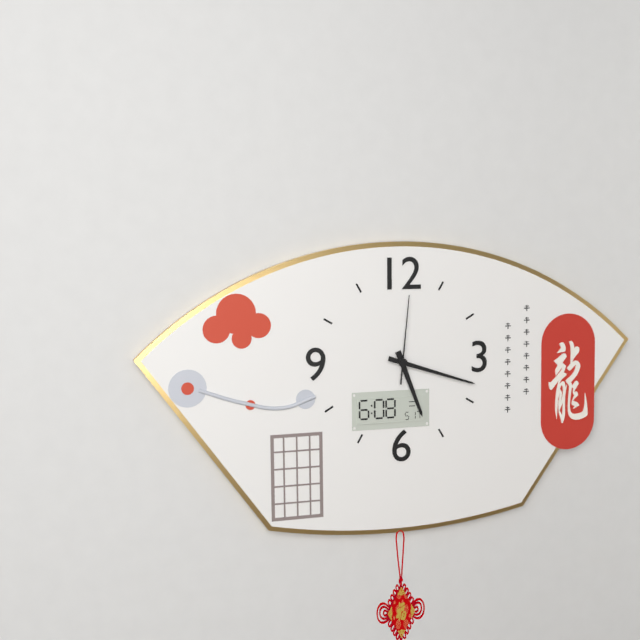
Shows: h=5 m=18 s=1
